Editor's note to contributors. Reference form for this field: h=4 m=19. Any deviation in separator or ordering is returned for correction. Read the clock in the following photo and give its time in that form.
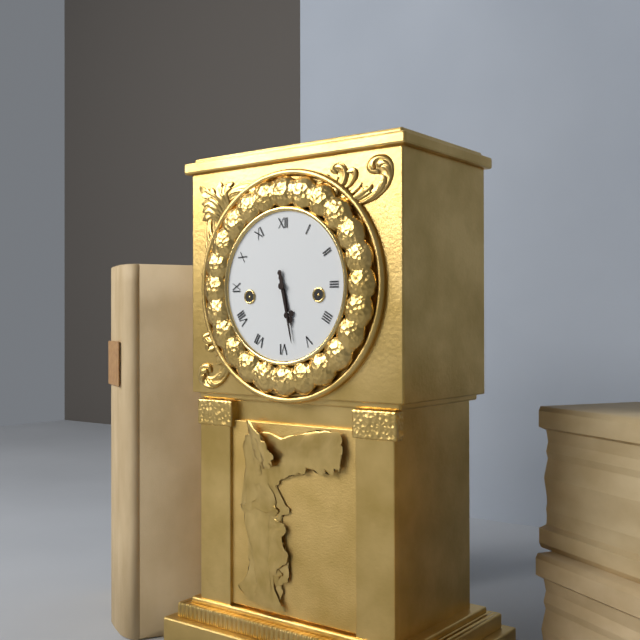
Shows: h=5 m=28
